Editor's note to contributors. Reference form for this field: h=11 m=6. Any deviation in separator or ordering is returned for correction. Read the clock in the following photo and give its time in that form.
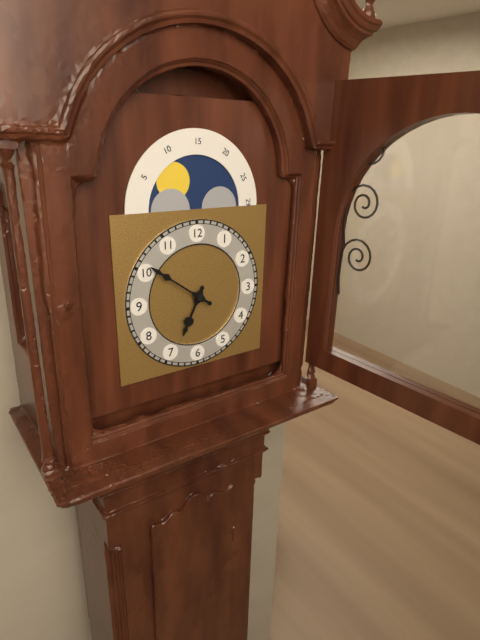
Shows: h=6 m=51
